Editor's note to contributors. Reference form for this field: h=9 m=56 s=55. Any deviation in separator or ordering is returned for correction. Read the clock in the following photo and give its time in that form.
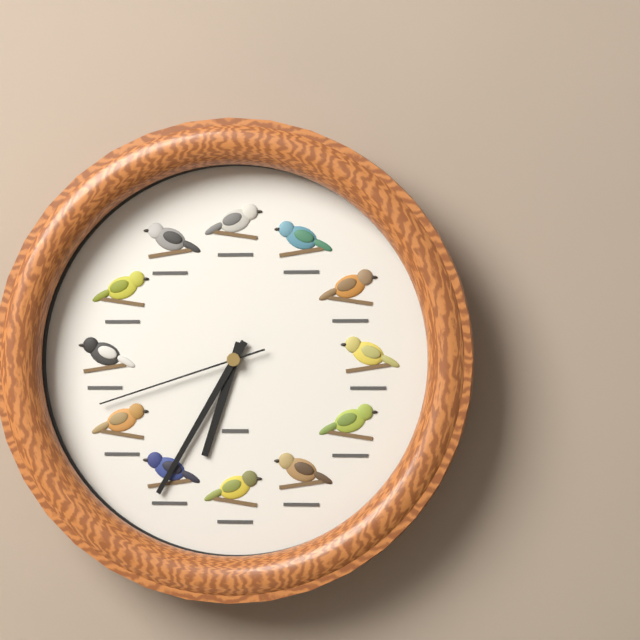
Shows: h=6 m=35 s=42
